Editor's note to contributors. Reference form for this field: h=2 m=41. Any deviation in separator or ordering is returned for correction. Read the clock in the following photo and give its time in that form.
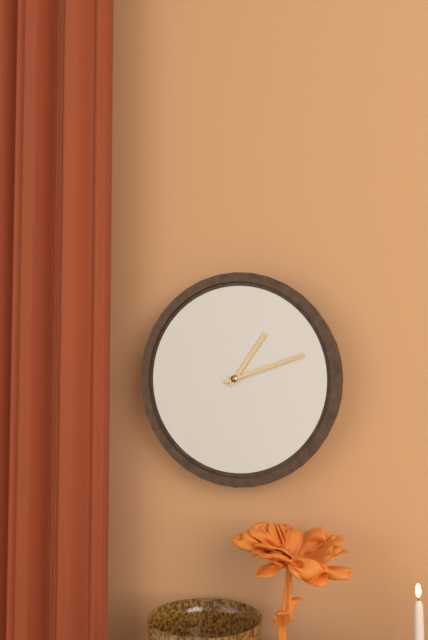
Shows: h=1 m=12
